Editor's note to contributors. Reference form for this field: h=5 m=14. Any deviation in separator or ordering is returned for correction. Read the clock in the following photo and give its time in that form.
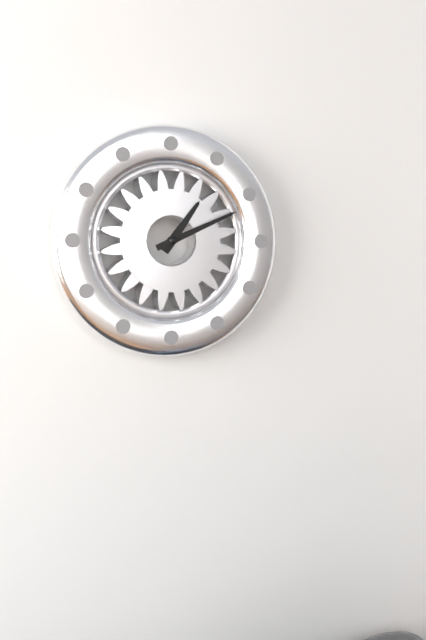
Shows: h=1 m=11
